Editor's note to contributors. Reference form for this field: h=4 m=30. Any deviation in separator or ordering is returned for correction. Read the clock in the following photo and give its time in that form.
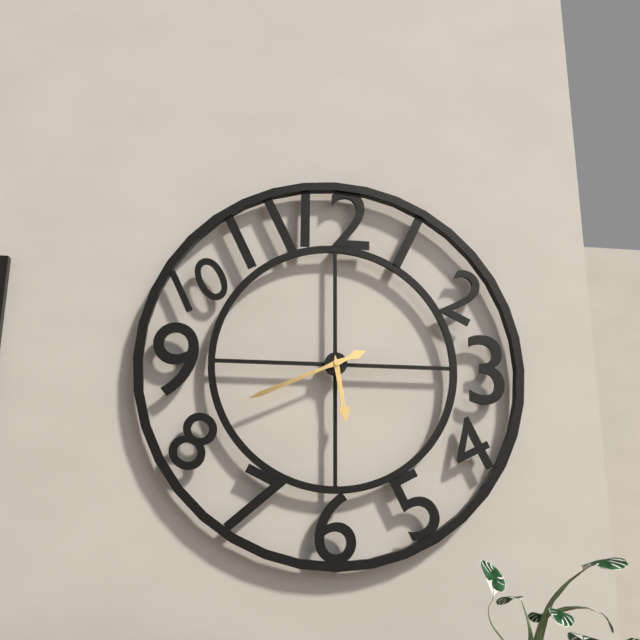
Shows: h=5 m=41
